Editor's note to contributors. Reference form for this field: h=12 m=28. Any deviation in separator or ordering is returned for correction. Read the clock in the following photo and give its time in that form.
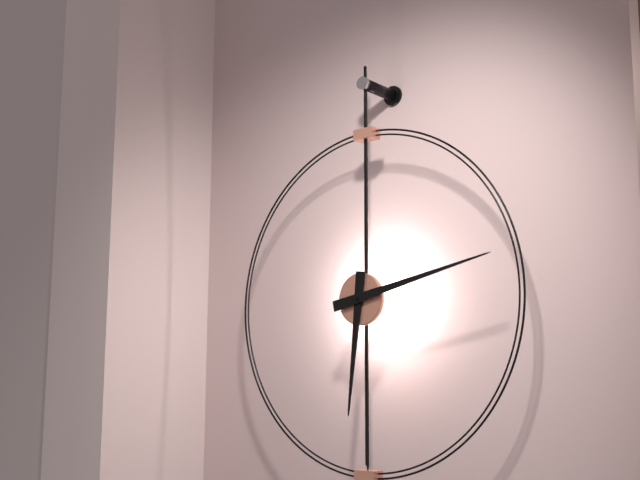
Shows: h=6 m=13
